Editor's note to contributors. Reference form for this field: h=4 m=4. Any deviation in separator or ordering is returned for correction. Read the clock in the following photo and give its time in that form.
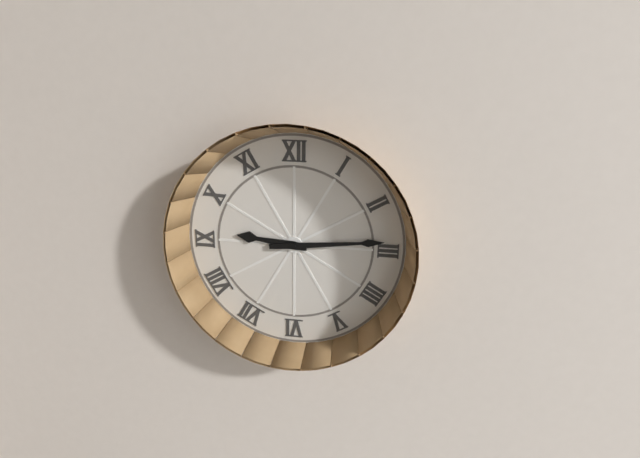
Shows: h=9 m=14
